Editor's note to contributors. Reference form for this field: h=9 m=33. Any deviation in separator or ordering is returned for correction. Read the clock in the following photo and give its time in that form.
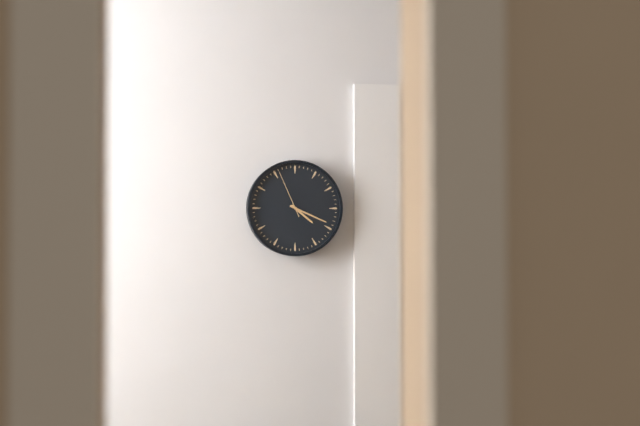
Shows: h=4 m=19
